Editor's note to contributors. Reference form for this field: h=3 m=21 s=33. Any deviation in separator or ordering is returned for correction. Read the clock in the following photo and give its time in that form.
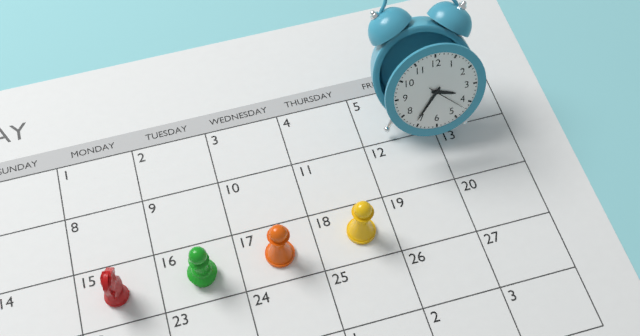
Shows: h=3 m=36 s=22
